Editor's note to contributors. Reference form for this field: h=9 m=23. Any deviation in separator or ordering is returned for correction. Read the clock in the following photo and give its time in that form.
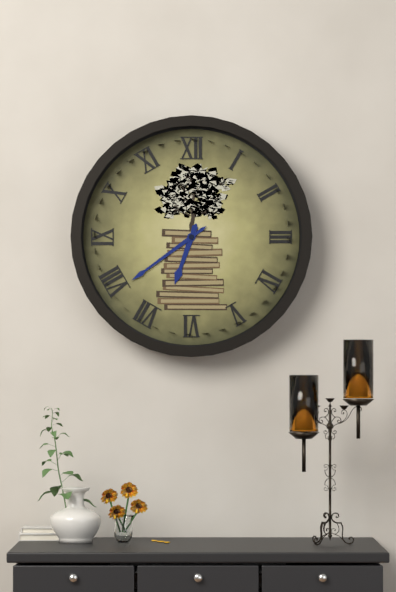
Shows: h=6 m=39
